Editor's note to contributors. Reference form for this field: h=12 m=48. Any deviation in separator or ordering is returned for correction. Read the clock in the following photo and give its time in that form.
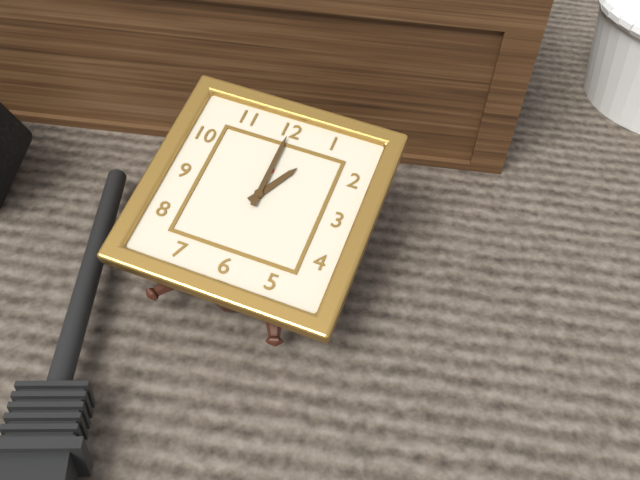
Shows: h=1 m=0
